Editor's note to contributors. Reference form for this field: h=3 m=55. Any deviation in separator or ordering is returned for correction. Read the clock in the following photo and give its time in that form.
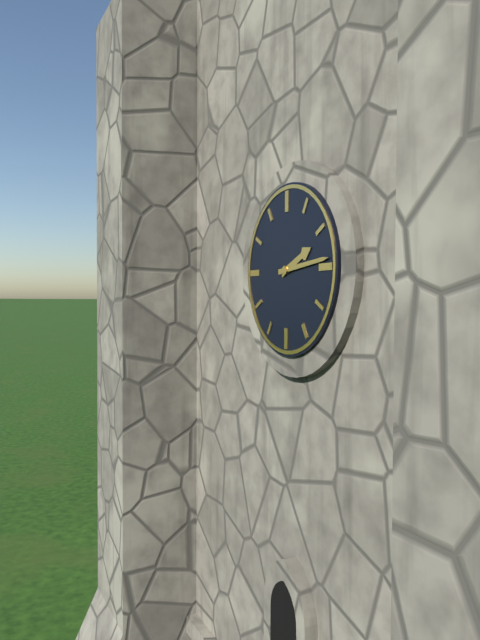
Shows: h=2 m=14
